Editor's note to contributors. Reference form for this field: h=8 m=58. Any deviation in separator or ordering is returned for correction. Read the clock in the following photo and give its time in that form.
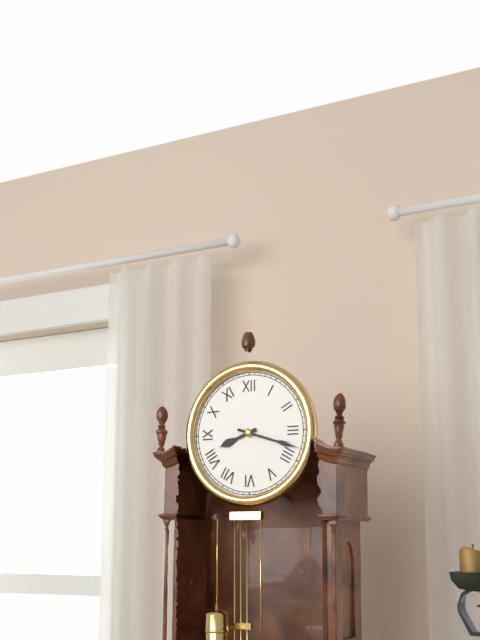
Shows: h=8 m=18
